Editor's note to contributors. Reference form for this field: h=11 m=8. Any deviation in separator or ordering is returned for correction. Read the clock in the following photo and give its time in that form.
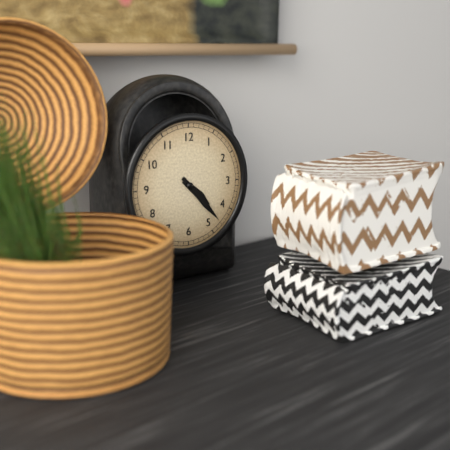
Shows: h=4 m=23
